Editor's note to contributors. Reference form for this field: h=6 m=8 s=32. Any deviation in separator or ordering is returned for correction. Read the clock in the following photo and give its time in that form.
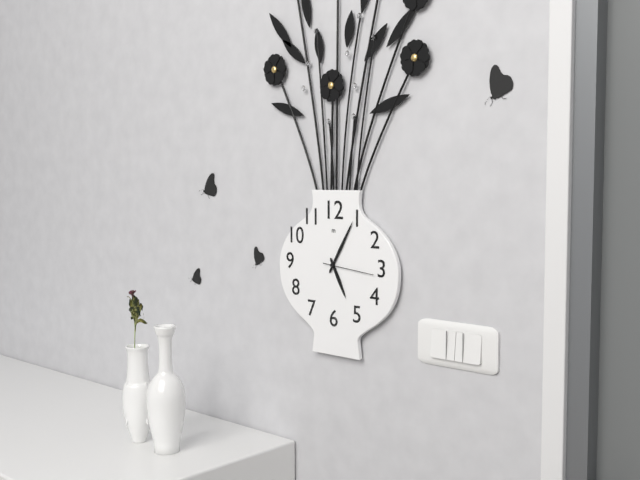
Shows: h=5 m=5 s=16
